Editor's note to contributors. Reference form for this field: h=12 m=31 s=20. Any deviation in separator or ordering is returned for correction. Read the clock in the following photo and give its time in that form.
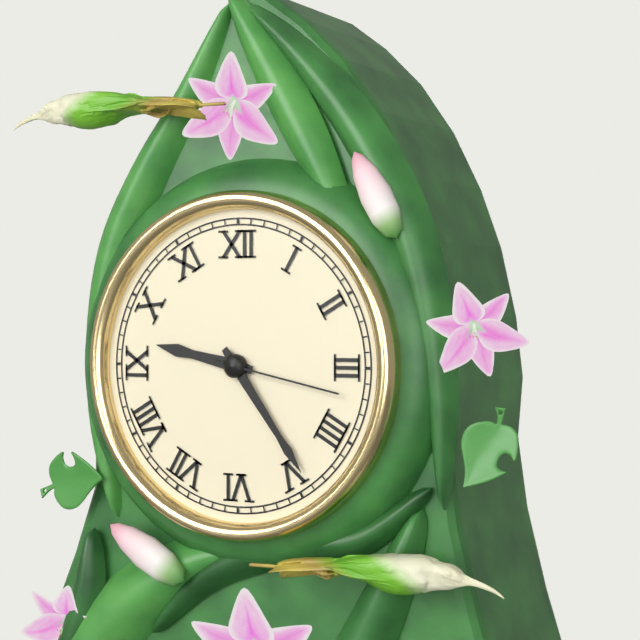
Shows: h=9 m=24 s=17
